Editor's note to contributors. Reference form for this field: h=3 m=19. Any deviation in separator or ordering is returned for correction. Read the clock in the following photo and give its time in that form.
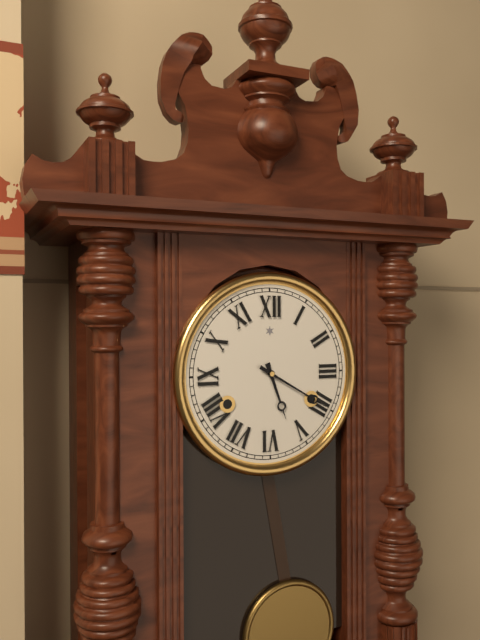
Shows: h=5 m=20
